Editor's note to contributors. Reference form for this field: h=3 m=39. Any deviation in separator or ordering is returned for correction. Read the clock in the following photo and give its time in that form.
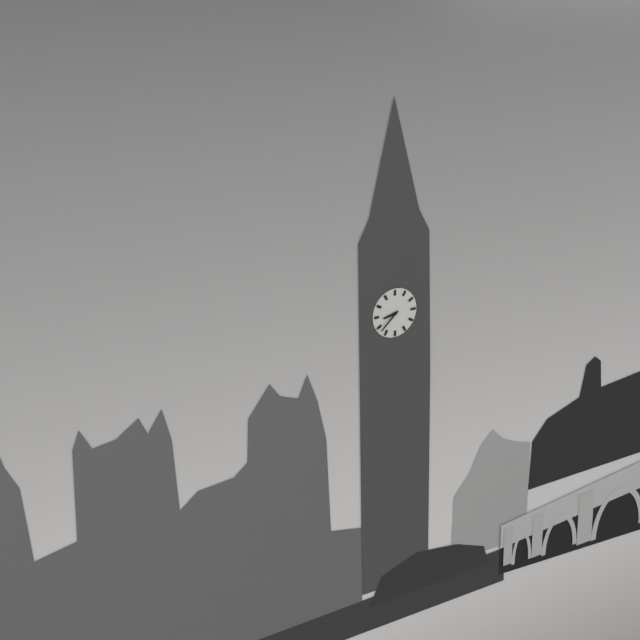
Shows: h=8 m=38
